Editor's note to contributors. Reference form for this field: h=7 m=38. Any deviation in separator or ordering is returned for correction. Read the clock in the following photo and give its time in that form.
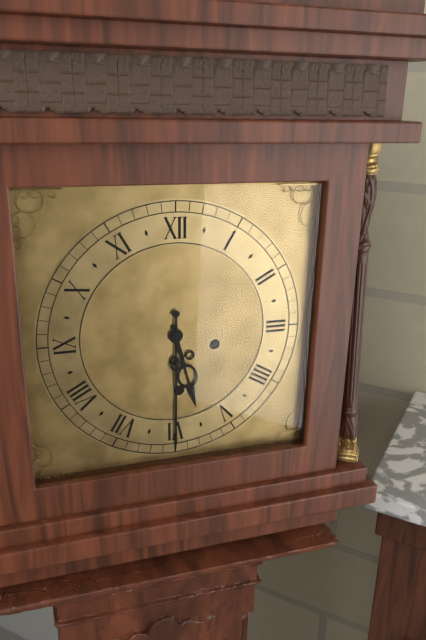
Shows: h=5 m=30
